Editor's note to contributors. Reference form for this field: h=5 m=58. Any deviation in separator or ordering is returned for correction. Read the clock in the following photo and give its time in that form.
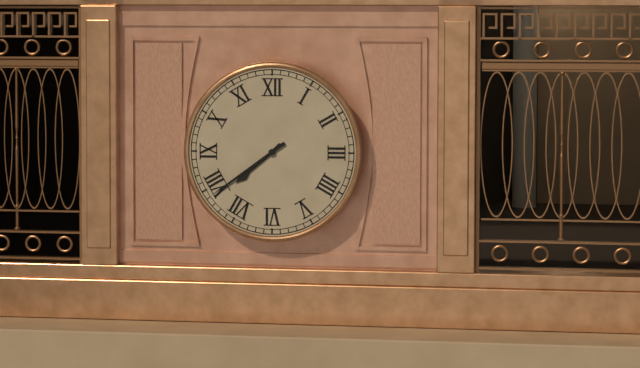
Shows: h=7 m=39
